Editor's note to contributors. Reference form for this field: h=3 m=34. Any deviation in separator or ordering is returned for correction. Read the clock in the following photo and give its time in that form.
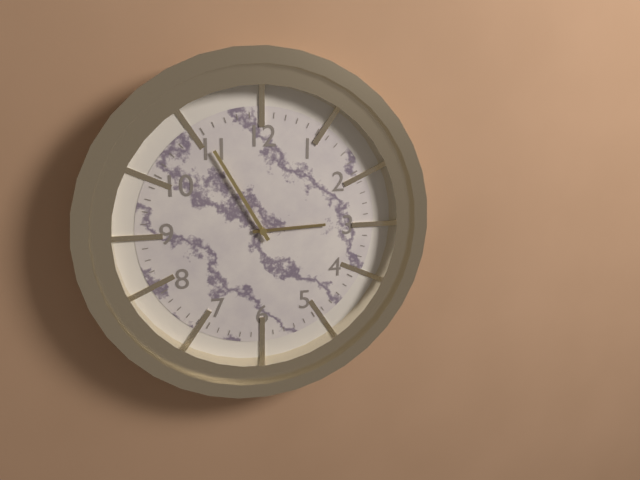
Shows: h=2 m=55
